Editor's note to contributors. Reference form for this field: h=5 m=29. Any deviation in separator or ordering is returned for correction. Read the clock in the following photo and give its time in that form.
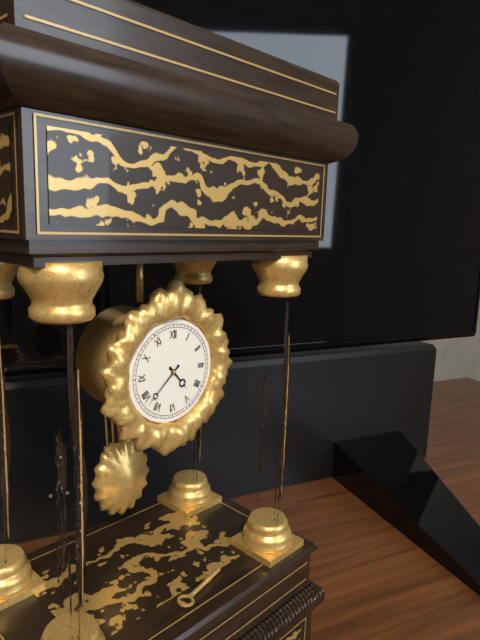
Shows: h=4 m=38
